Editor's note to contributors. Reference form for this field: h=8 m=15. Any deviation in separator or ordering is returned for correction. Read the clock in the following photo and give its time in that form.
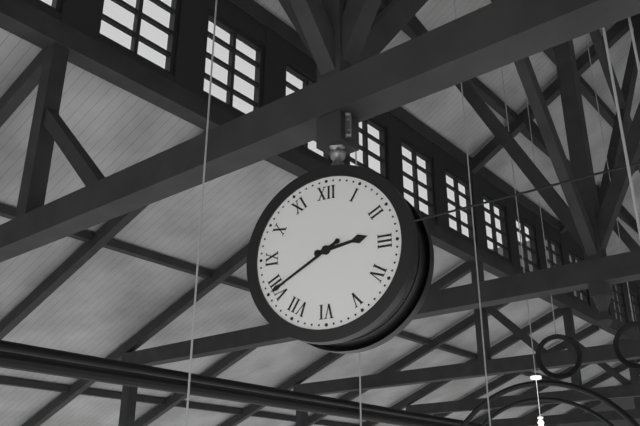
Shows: h=2 m=40
